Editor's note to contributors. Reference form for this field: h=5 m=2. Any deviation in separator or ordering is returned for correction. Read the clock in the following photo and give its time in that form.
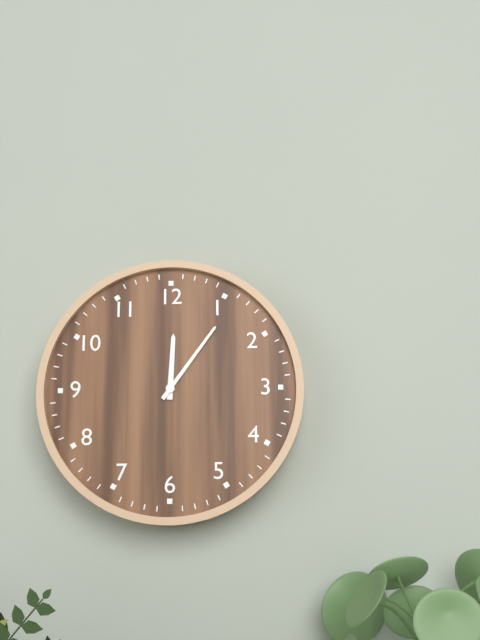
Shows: h=12 m=6
